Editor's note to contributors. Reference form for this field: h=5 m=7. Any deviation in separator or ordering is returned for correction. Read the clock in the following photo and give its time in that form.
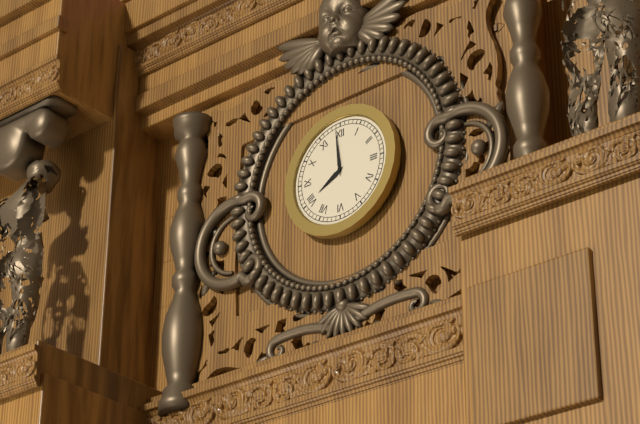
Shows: h=7 m=59
